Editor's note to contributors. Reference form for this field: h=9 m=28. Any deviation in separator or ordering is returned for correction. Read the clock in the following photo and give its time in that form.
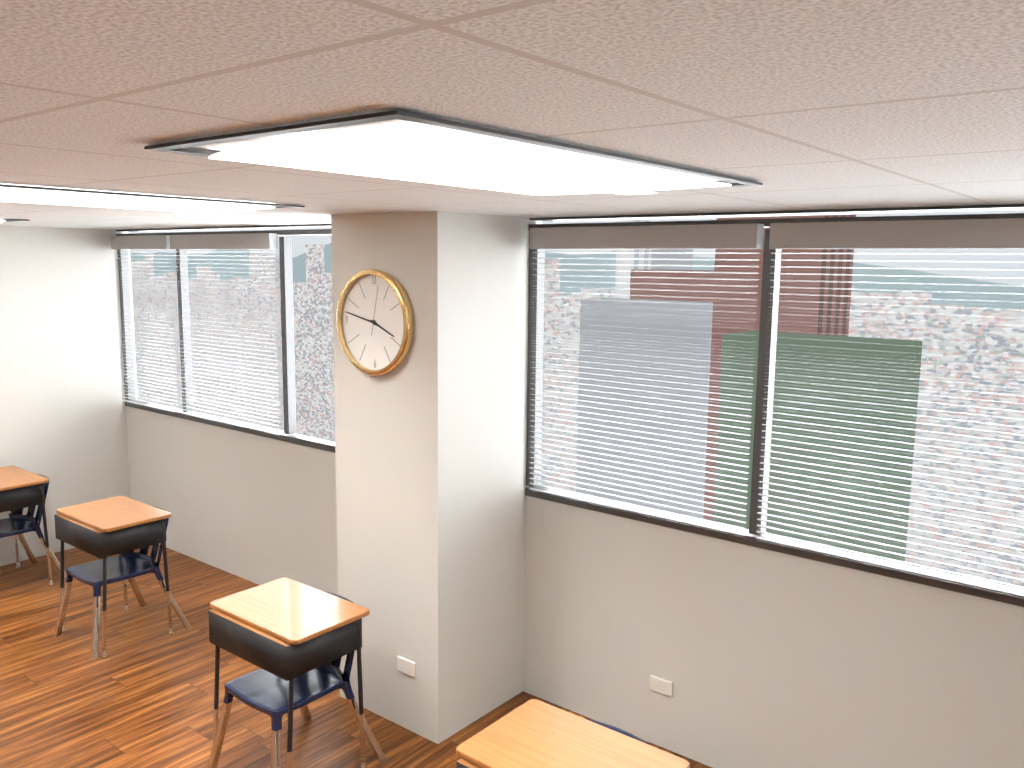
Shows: h=3 m=47
